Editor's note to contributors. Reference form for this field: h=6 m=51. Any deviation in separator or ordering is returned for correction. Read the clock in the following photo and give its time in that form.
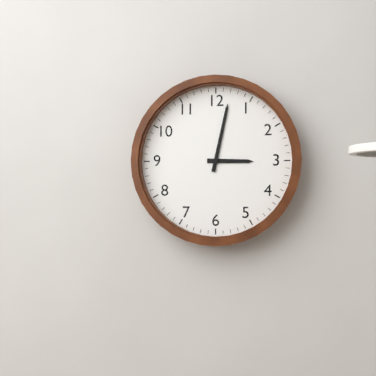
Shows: h=3 m=2
